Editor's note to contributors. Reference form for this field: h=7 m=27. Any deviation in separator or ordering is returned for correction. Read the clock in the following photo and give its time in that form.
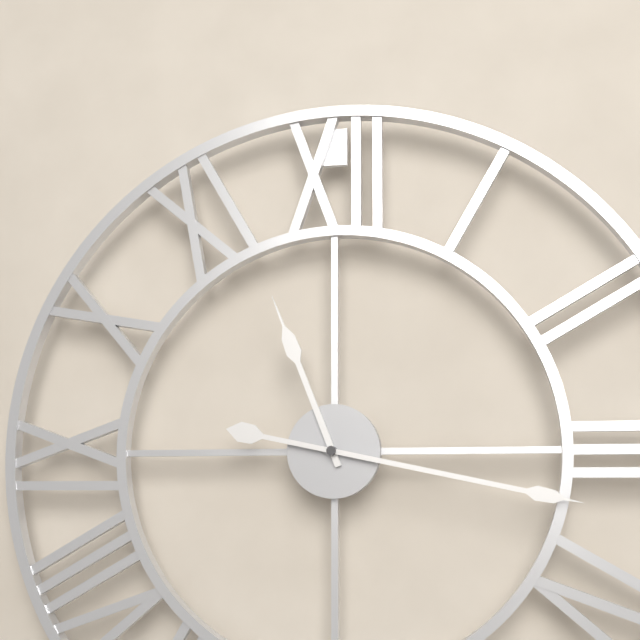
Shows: h=11 m=17
